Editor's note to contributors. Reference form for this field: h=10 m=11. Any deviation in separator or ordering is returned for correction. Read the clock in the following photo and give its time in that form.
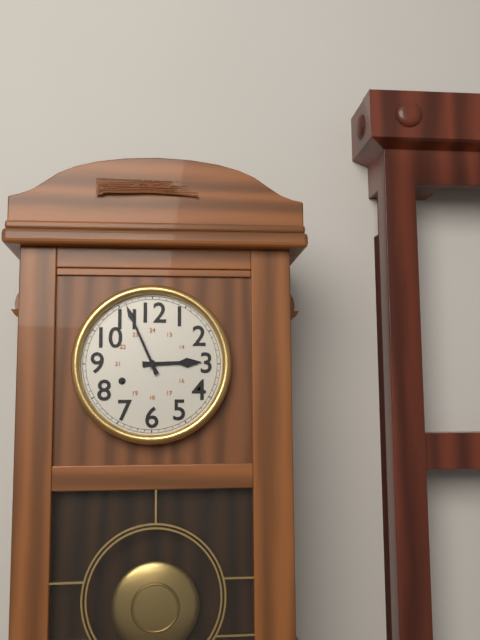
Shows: h=2 m=56
